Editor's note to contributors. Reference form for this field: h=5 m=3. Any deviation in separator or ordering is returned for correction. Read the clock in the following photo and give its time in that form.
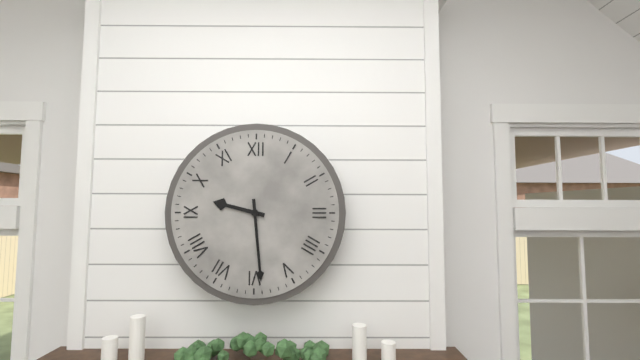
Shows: h=9 m=29
